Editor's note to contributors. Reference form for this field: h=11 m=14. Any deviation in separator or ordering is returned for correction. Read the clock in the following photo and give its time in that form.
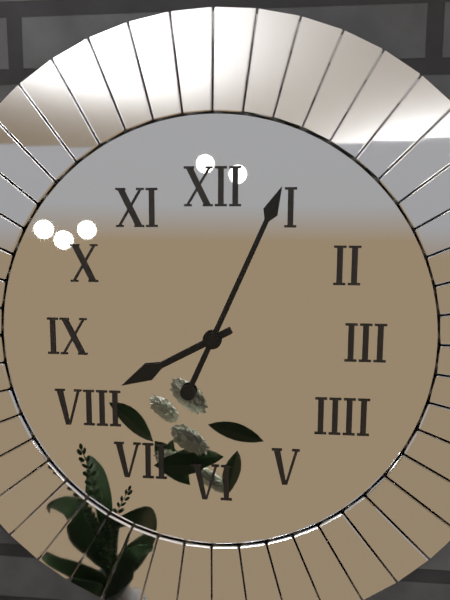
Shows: h=8 m=4
